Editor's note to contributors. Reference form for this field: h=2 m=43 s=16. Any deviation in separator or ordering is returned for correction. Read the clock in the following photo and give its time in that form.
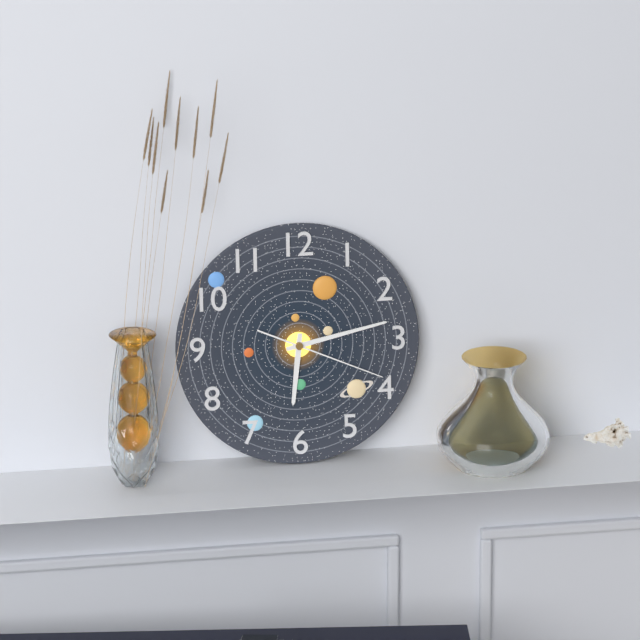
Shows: h=6 m=13 s=19
